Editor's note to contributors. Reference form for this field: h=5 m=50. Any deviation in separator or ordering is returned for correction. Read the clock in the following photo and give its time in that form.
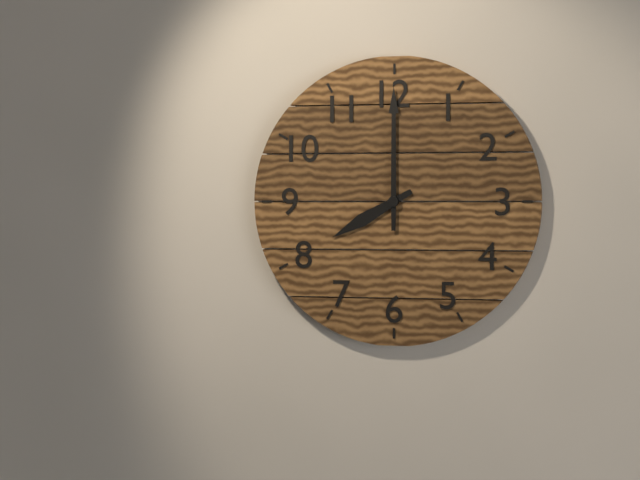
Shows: h=8 m=0
